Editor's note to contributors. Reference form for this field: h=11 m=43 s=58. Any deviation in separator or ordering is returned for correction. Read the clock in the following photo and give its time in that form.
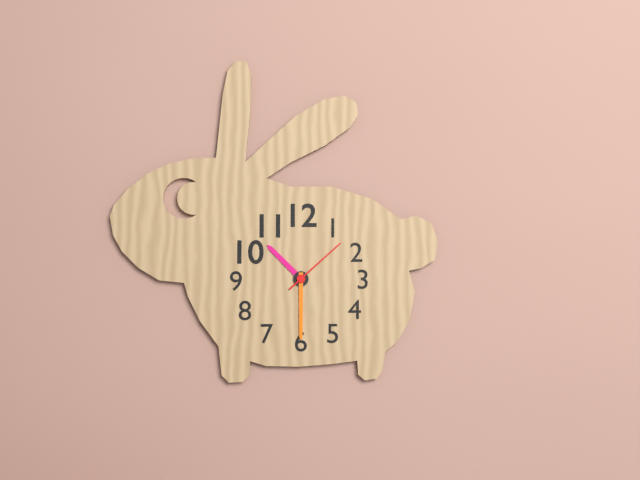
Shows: h=10 m=30 s=8
